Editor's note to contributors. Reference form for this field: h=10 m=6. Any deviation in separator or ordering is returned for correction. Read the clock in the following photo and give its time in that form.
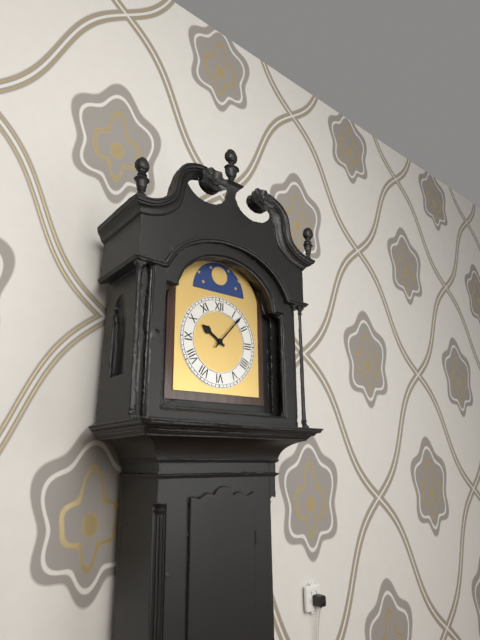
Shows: h=10 m=7
